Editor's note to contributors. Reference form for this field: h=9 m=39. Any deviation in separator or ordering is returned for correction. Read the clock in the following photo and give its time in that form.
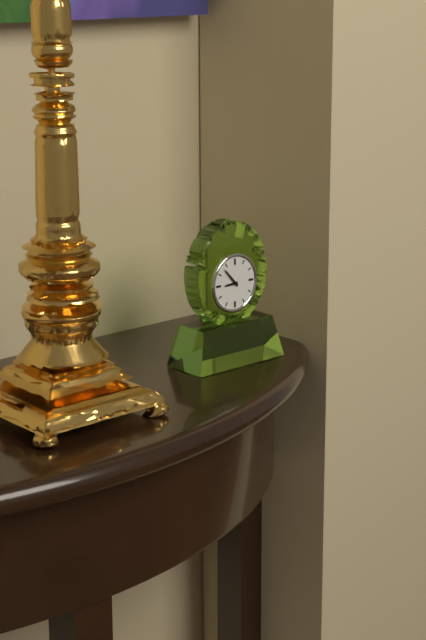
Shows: h=8 m=53
